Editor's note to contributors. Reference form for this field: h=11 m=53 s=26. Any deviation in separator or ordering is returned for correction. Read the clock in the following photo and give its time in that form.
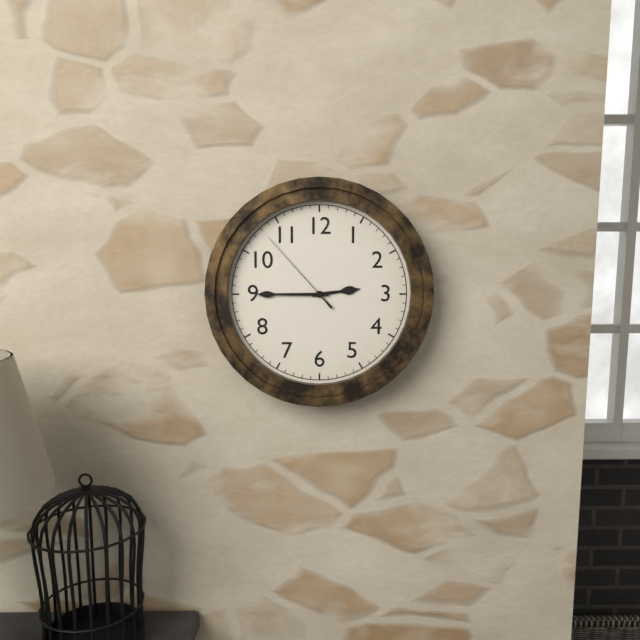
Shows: h=2 m=45 s=53
